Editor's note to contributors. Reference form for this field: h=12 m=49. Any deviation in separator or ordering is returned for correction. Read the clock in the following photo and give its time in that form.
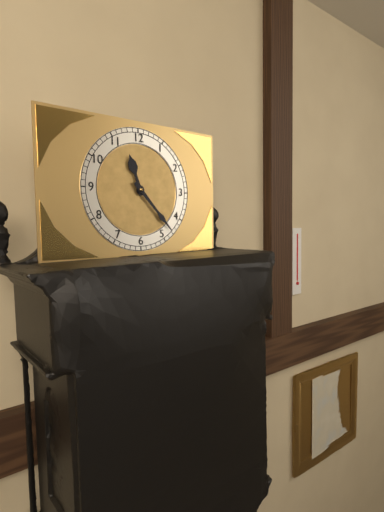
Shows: h=11 m=23
